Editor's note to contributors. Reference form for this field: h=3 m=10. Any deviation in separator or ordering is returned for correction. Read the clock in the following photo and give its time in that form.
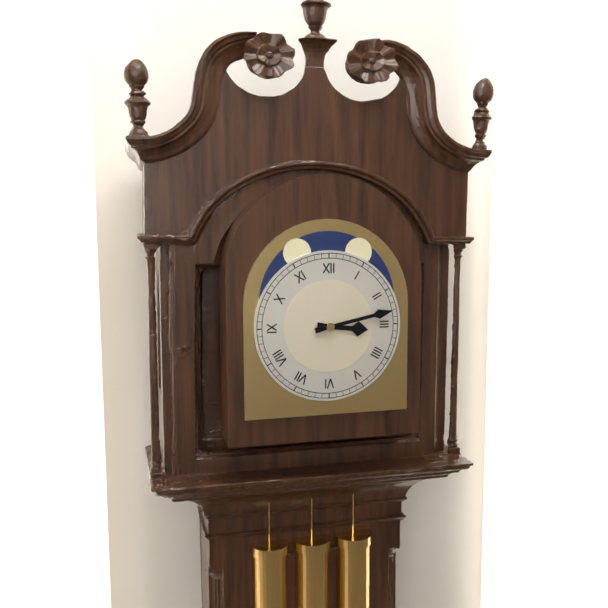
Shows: h=3 m=13
